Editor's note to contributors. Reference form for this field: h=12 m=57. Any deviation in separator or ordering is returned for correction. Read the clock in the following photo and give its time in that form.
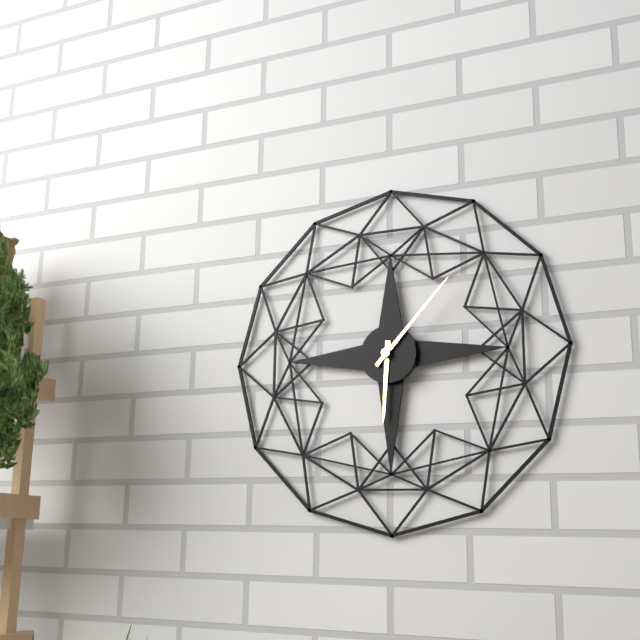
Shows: h=6 m=7
